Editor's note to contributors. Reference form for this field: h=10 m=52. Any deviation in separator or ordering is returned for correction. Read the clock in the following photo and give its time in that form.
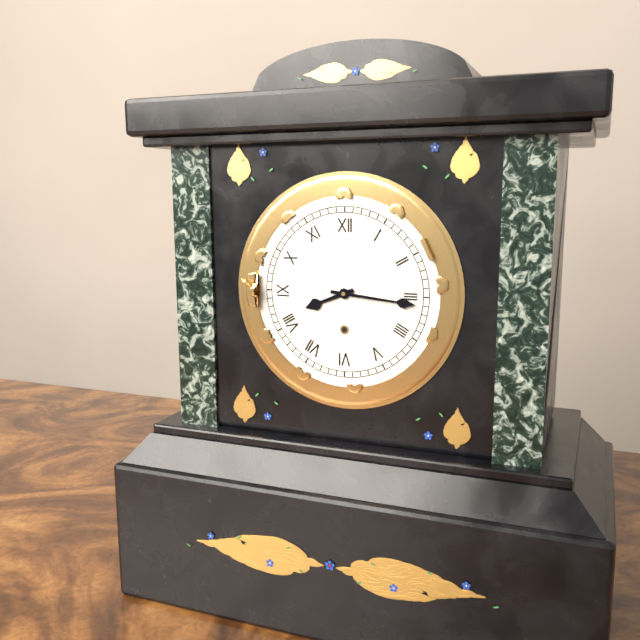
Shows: h=8 m=16
